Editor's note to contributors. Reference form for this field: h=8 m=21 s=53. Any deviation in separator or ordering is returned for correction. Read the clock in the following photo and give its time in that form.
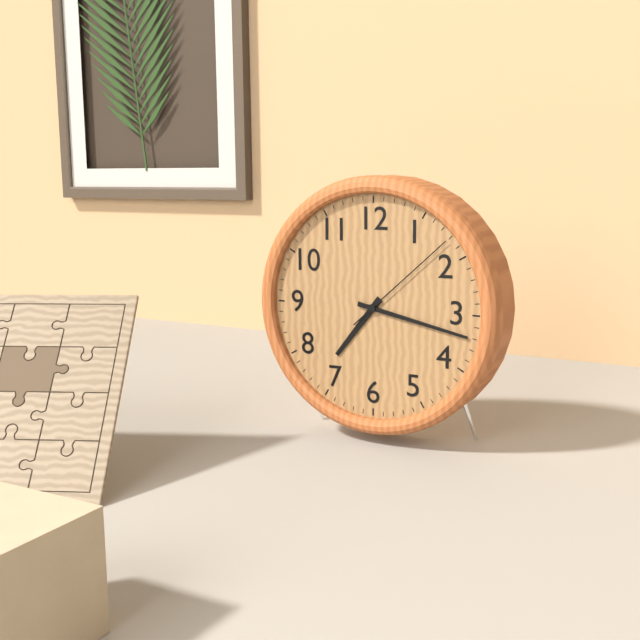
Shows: h=7 m=17 s=8
